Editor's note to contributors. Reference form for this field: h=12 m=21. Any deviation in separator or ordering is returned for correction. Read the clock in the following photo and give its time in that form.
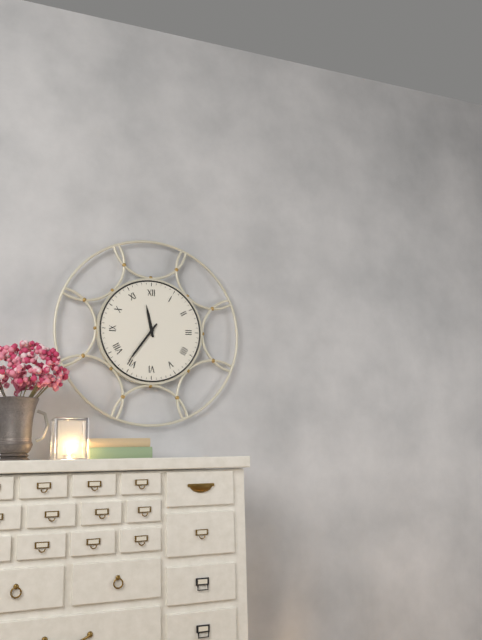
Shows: h=11 m=36
